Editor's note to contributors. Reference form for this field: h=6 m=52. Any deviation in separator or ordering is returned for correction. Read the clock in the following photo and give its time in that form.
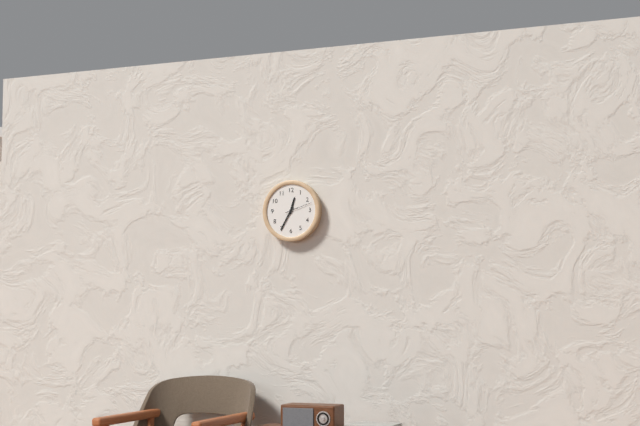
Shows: h=12 m=35
